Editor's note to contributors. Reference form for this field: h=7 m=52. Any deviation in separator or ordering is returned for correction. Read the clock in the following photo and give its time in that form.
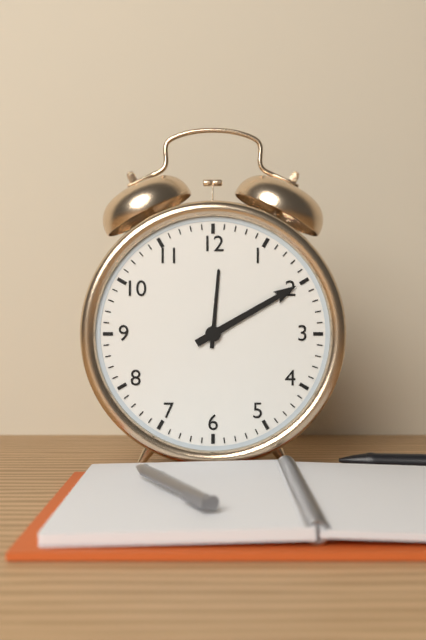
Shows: h=12 m=10
